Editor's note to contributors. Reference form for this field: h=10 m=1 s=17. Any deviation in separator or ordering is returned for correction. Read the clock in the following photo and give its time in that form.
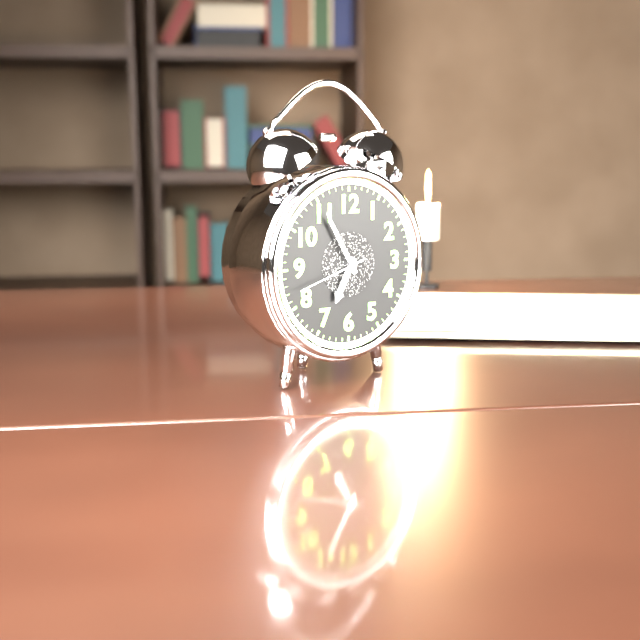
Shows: h=6 m=55 s=42
